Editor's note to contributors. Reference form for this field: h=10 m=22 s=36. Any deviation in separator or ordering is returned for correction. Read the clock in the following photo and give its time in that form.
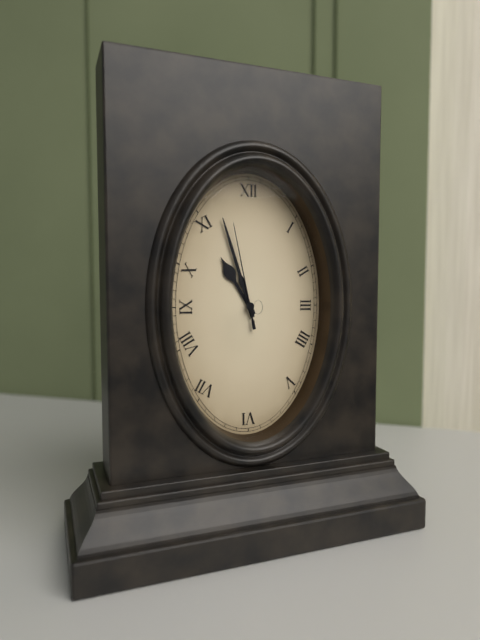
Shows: h=10 m=57 s=58
